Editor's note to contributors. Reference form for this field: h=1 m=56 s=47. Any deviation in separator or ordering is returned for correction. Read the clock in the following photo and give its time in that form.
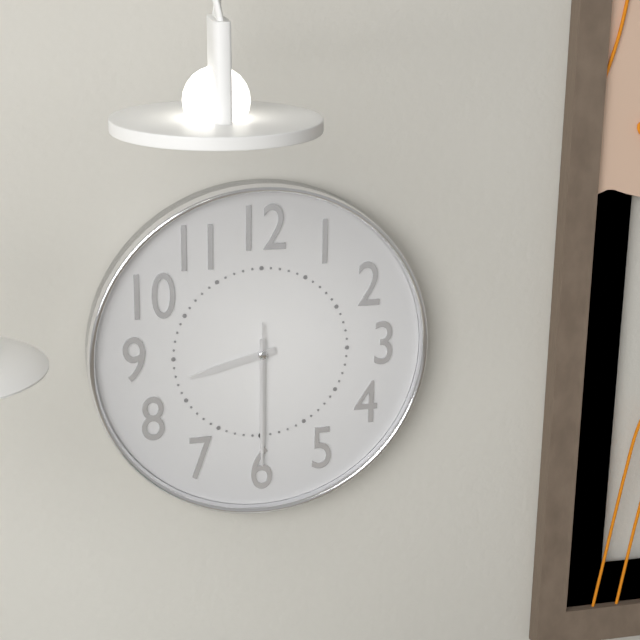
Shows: h=8 m=30 s=30
